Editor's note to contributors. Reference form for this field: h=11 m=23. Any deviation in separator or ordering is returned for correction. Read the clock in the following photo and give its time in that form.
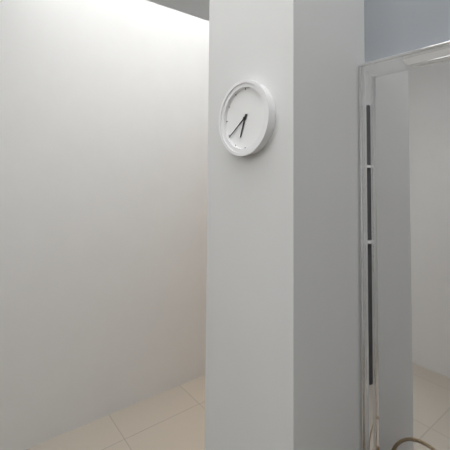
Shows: h=6 m=39
